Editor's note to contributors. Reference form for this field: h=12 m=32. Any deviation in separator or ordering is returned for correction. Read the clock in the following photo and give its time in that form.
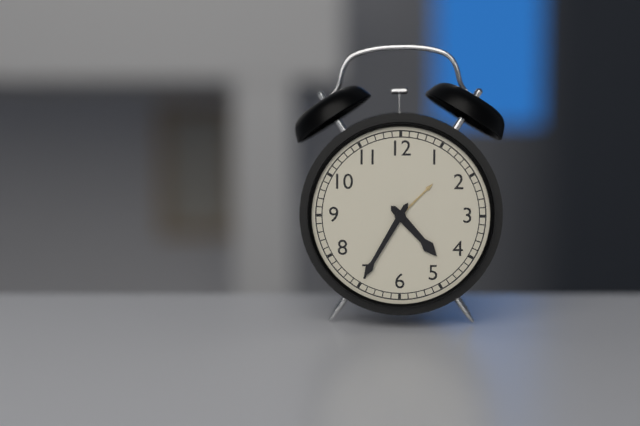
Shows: h=4 m=35
